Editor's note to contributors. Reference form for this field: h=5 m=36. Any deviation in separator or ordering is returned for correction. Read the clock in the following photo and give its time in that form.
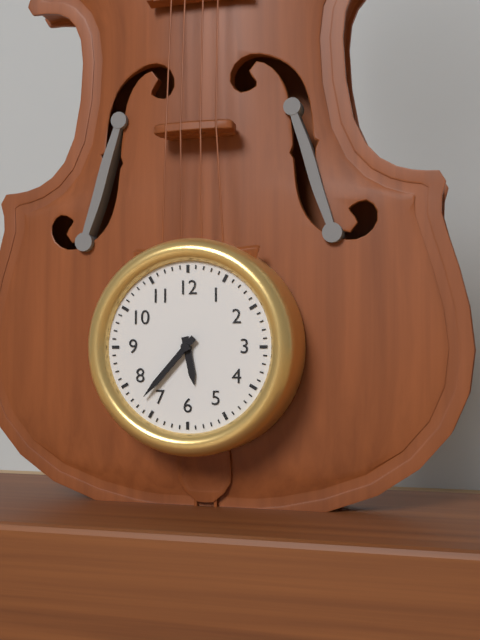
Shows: h=5 m=37
